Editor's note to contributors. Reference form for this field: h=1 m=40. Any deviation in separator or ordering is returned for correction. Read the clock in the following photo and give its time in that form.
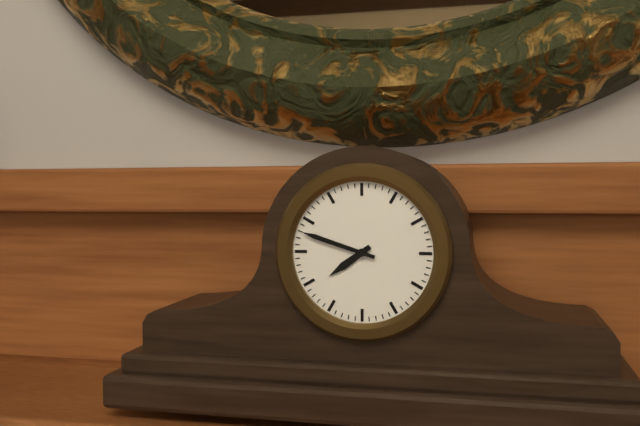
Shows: h=7 m=48
